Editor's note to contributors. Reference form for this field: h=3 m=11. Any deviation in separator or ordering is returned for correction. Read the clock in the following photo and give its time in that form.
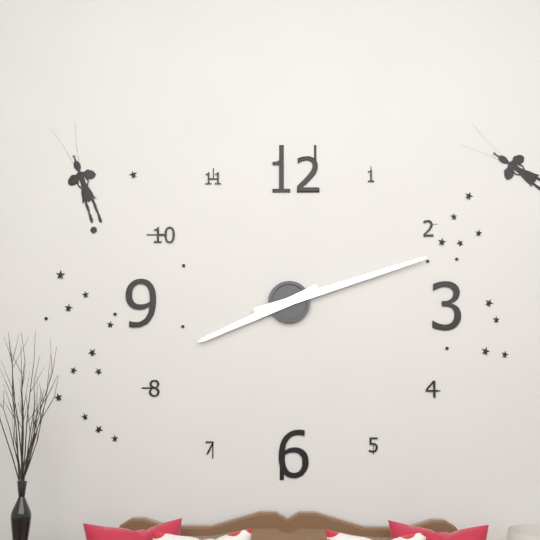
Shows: h=8 m=12
